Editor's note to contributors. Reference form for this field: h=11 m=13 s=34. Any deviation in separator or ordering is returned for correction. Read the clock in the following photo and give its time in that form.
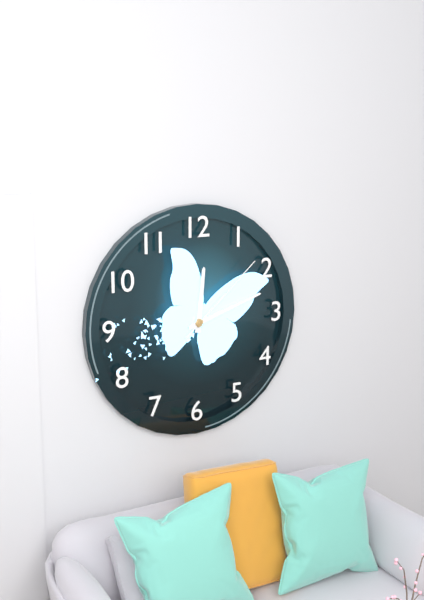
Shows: h=12 m=12 s=8
